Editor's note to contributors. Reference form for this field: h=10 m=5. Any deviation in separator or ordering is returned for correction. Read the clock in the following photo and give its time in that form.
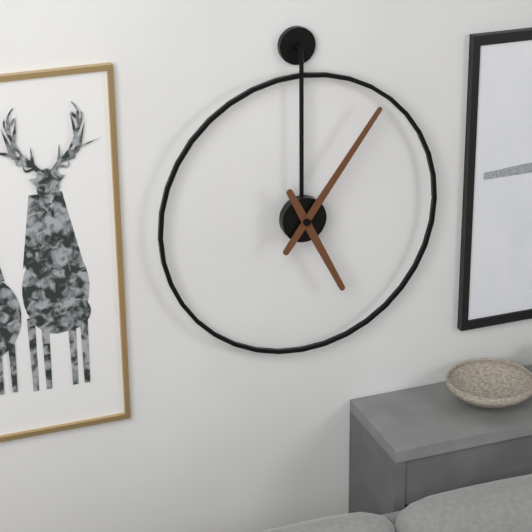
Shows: h=5 m=6
